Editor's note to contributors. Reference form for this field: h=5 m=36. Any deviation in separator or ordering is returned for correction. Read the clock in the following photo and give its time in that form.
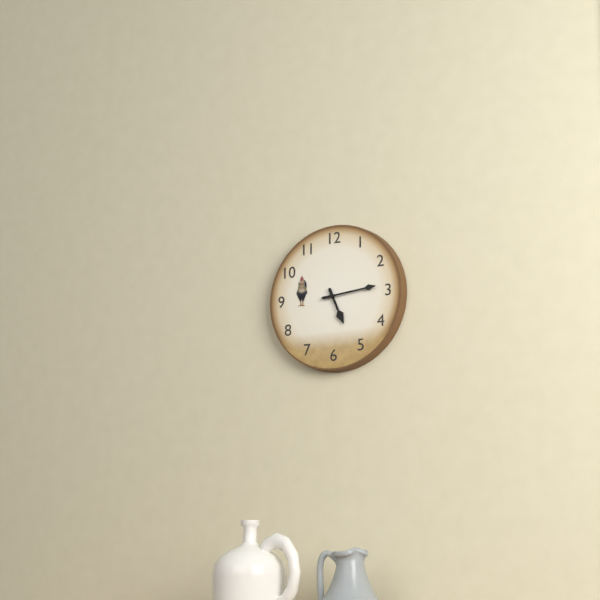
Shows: h=5 m=14
